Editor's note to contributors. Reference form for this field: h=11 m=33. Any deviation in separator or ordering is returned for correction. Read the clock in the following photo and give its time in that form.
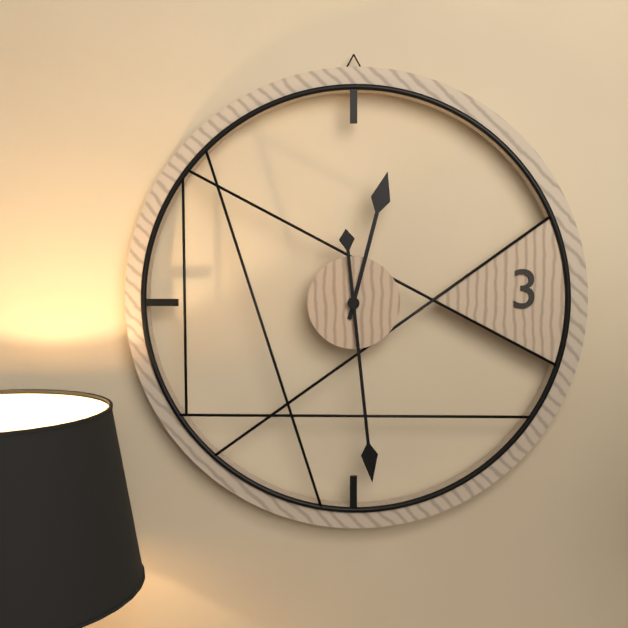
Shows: h=12 m=29
